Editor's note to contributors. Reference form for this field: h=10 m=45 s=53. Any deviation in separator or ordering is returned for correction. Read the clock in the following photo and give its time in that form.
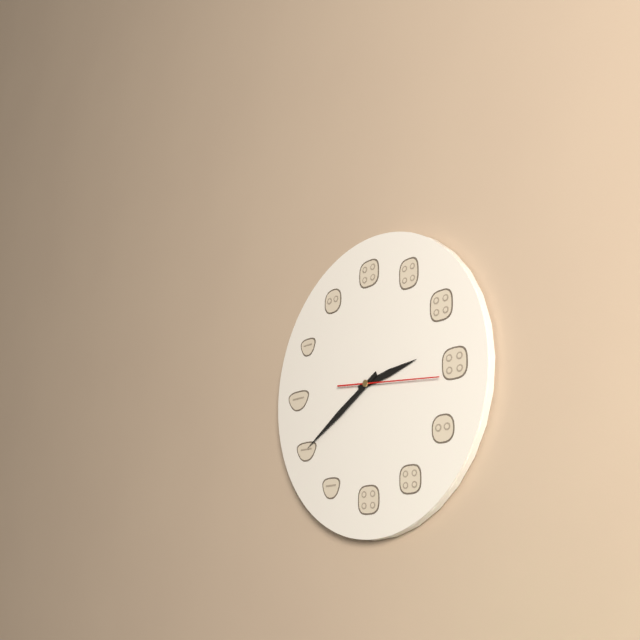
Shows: h=2 m=40 s=16
